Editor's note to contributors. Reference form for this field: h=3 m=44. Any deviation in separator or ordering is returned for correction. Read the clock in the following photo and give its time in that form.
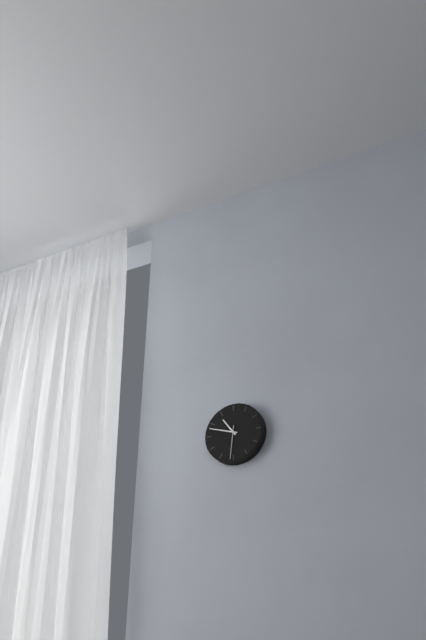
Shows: h=10 m=48
